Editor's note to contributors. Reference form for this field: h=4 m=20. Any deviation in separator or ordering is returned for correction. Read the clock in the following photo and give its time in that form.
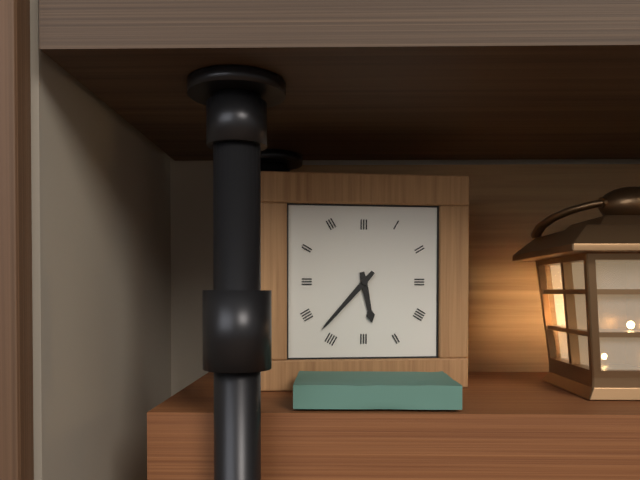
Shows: h=5 m=37
